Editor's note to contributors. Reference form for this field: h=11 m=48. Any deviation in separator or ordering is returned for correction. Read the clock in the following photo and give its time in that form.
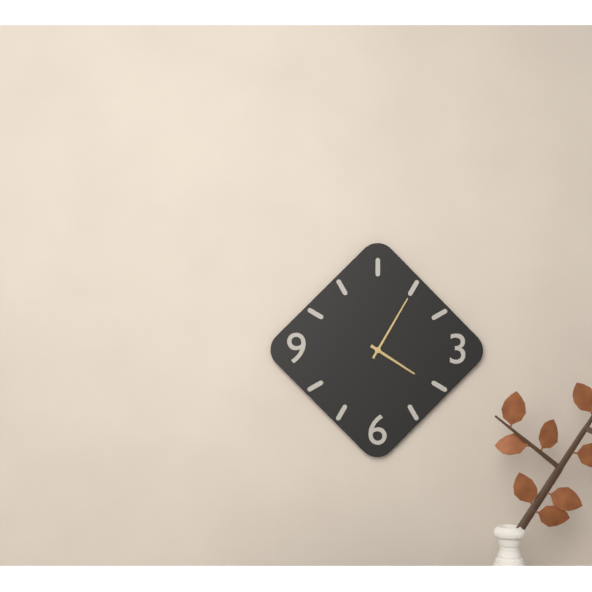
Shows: h=4 m=5
